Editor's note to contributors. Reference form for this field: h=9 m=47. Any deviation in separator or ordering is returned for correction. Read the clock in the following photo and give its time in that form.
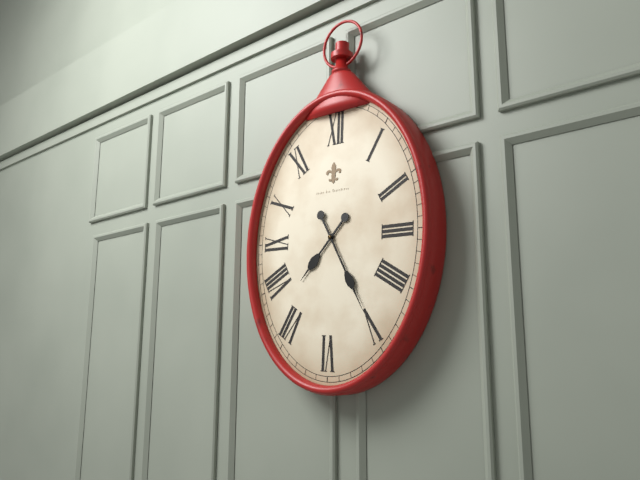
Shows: h=7 m=25
